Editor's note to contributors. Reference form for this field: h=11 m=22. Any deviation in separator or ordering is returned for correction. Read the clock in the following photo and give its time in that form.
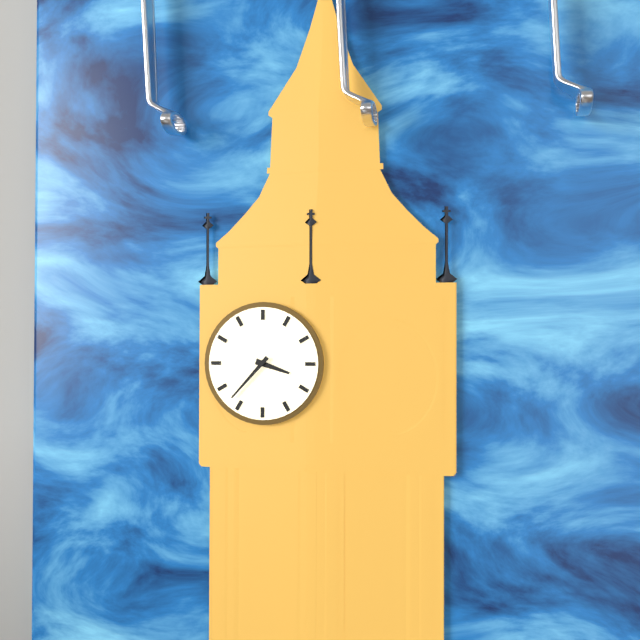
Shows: h=3 m=37
